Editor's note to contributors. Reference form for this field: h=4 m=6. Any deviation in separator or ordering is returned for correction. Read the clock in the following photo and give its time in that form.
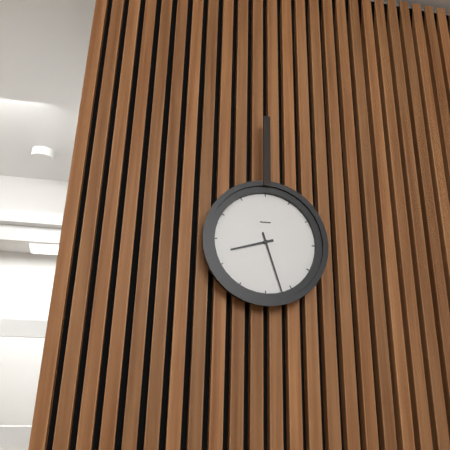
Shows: h=8 m=27
